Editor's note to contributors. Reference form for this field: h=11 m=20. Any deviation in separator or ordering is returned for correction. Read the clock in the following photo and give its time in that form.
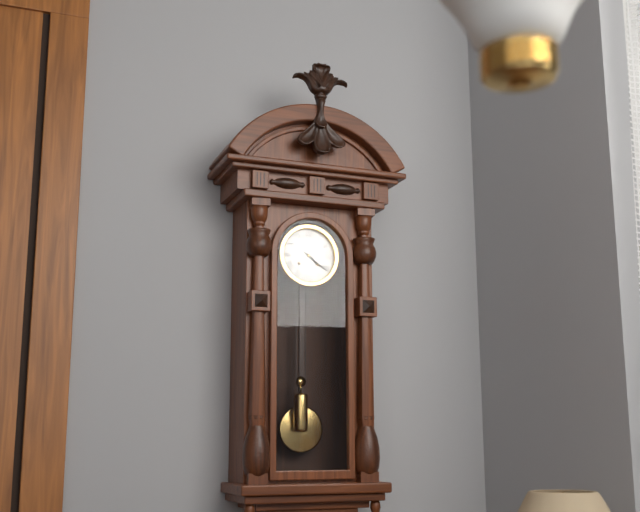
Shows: h=4 m=21
